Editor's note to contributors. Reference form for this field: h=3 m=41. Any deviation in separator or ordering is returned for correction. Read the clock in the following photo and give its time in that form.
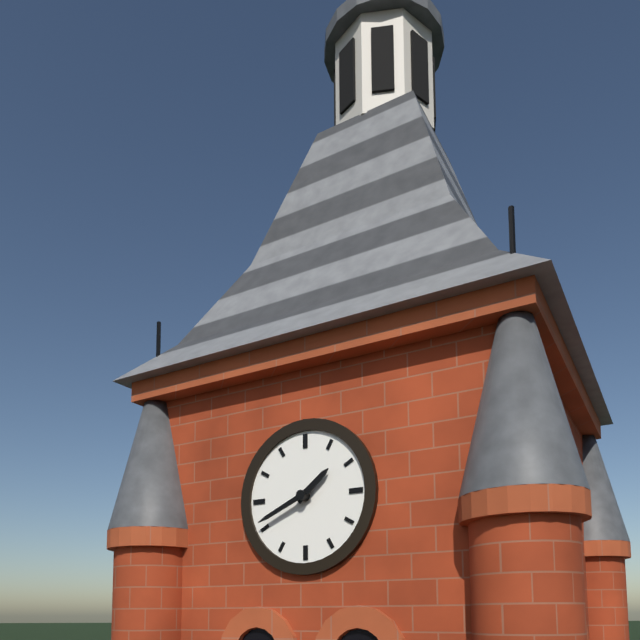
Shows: h=1 m=41
